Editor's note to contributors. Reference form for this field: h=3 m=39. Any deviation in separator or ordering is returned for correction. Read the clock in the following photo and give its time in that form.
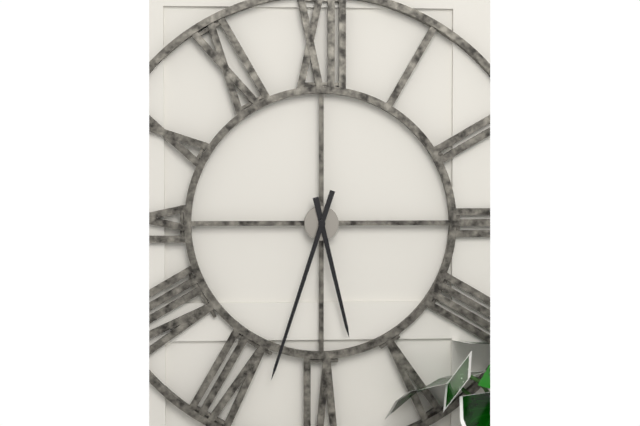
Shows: h=5 m=33
